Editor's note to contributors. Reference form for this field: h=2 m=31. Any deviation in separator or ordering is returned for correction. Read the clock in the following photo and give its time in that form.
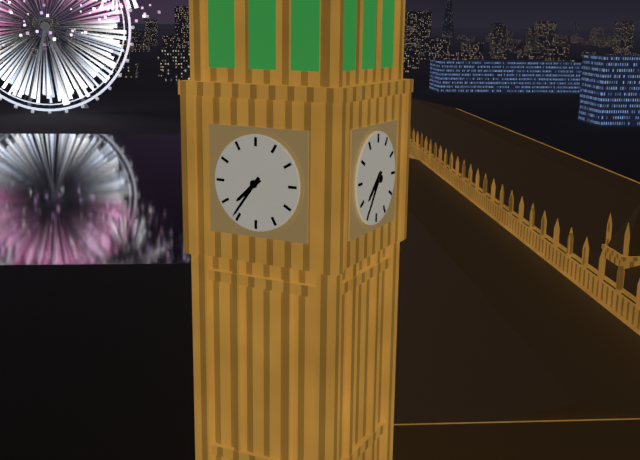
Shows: h=7 m=36
